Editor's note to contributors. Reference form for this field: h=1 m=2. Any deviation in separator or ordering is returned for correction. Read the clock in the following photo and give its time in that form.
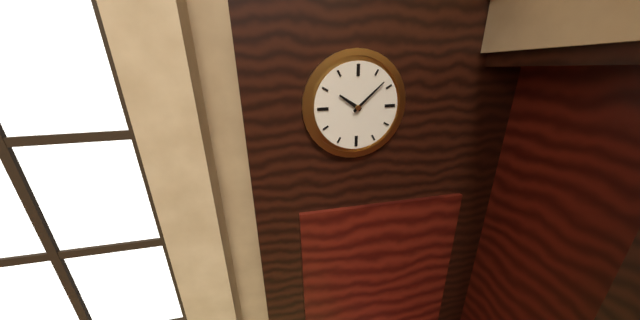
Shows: h=10 m=8
